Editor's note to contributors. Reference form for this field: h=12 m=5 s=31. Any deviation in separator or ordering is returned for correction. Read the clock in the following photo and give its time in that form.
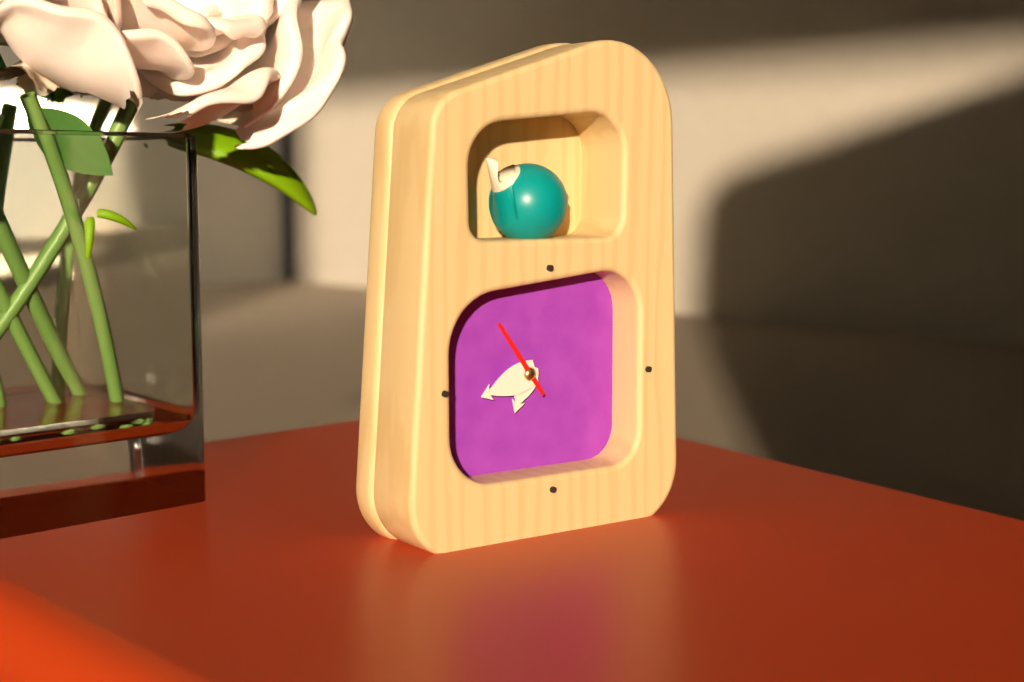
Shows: h=6 m=42 s=54
